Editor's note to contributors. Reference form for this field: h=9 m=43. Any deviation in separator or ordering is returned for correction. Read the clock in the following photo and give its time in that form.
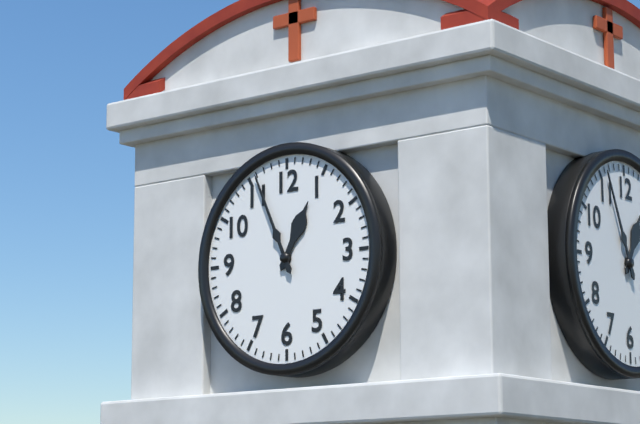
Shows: h=12 m=56
